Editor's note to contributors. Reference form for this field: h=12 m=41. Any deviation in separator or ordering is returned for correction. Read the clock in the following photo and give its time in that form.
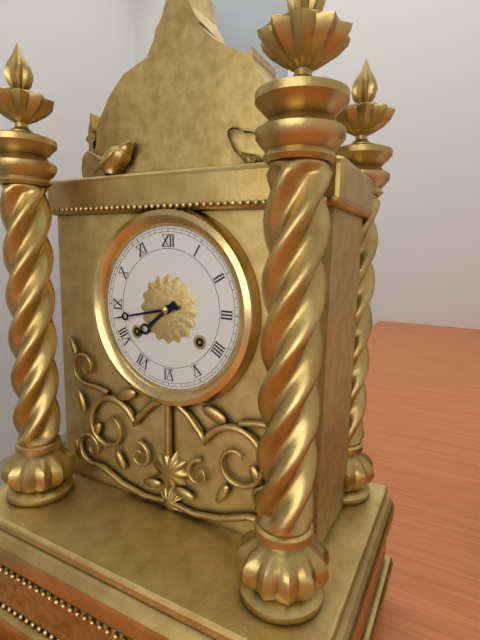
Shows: h=7 m=43
